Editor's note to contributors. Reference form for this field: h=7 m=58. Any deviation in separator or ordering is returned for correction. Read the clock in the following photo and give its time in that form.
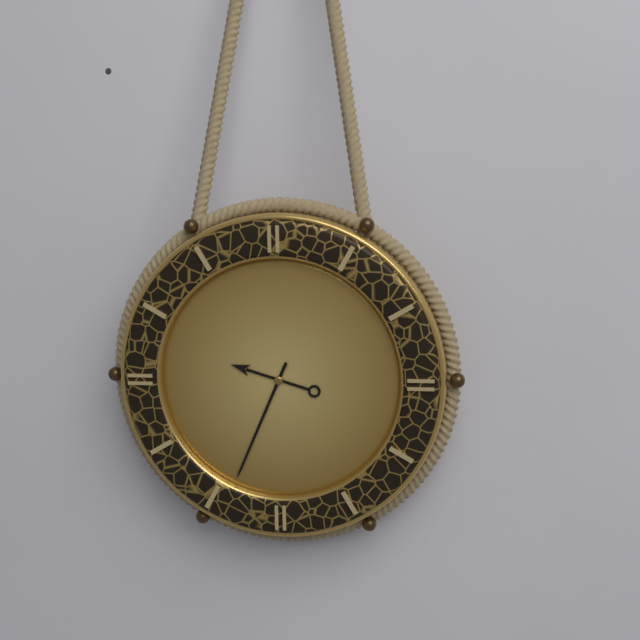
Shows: h=9 m=34
